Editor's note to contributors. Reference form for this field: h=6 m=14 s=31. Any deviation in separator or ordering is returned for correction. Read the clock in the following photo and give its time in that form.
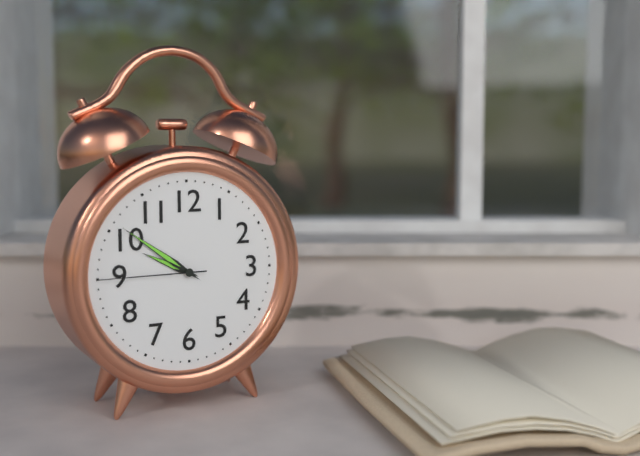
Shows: h=9 m=51 s=45
